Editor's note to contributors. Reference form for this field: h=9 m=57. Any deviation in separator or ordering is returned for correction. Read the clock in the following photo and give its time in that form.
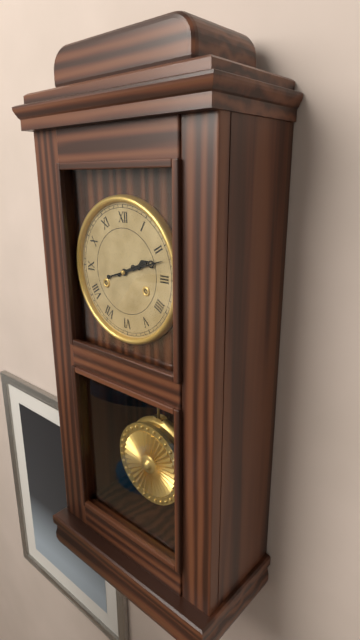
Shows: h=2 m=12
